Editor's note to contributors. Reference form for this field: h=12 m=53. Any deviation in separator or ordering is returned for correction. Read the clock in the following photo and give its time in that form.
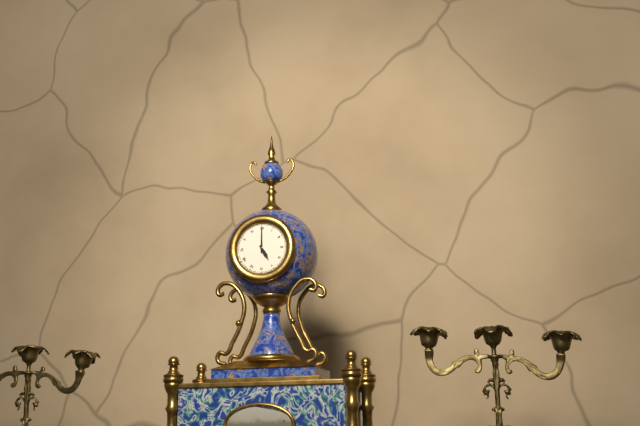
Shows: h=5 m=0
